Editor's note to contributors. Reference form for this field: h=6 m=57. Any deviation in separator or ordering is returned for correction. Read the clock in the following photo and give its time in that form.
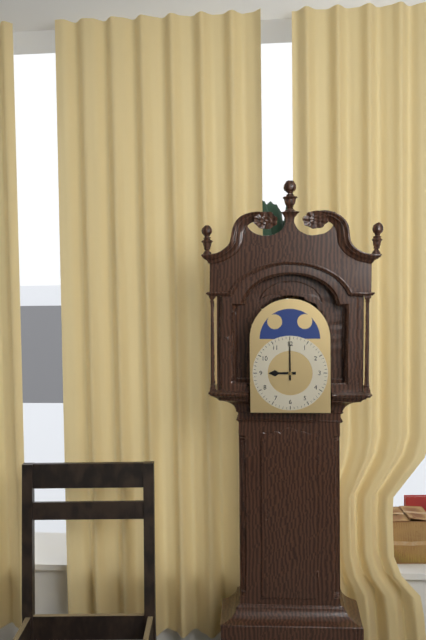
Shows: h=9 m=0
